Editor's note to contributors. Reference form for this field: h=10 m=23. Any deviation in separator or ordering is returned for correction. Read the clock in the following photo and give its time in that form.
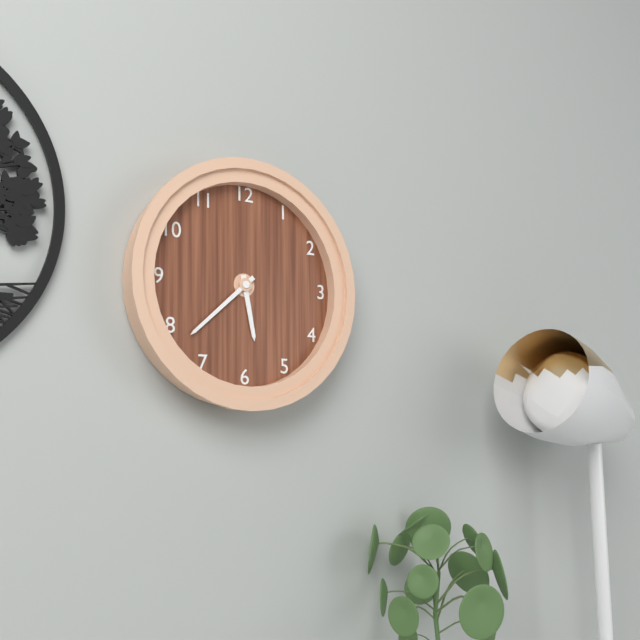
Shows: h=5 m=38
